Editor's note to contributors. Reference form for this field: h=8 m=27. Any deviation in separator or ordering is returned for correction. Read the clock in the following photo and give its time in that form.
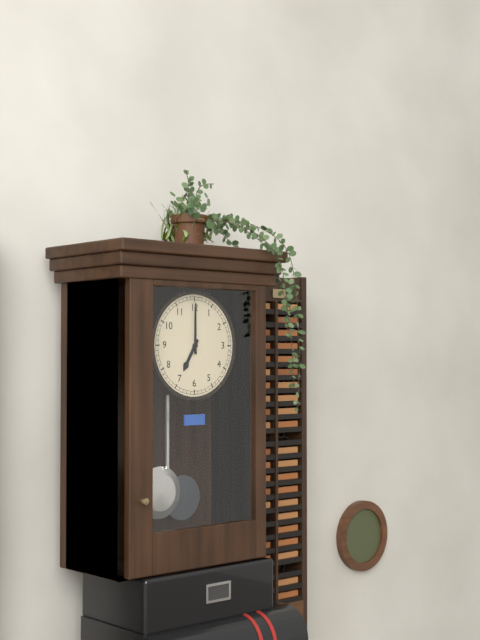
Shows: h=7 m=0
